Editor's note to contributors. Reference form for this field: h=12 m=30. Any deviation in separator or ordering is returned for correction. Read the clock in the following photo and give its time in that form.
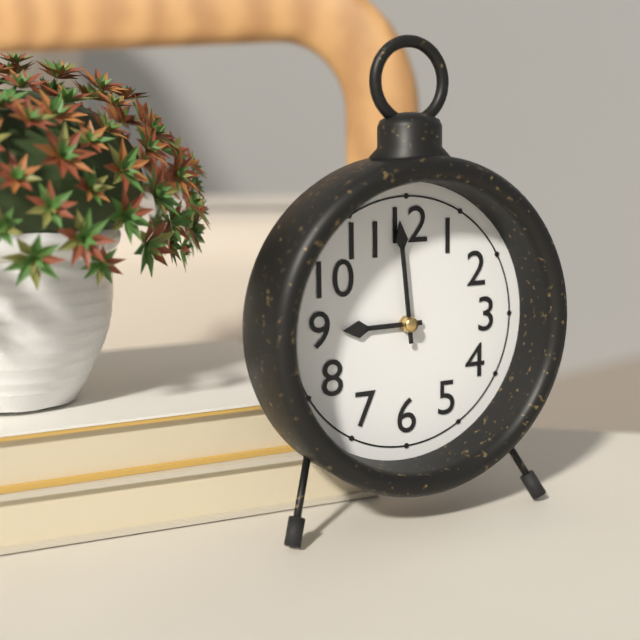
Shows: h=8 m=59
